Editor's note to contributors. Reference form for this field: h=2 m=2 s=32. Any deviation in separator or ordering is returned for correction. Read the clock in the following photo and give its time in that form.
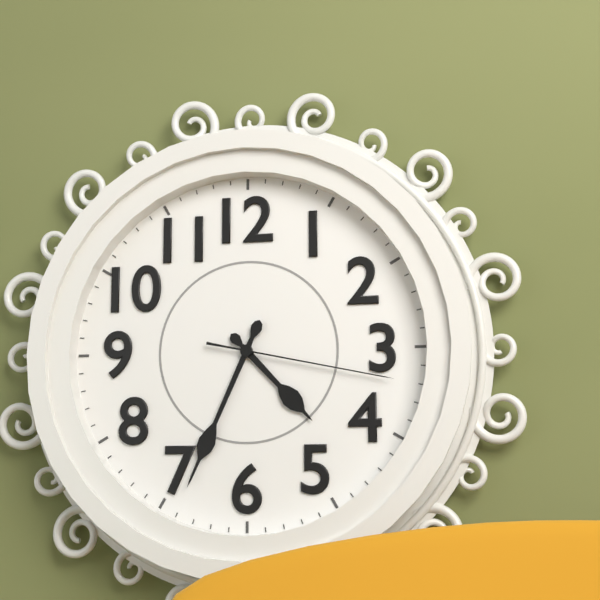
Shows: h=4 m=34 s=17
